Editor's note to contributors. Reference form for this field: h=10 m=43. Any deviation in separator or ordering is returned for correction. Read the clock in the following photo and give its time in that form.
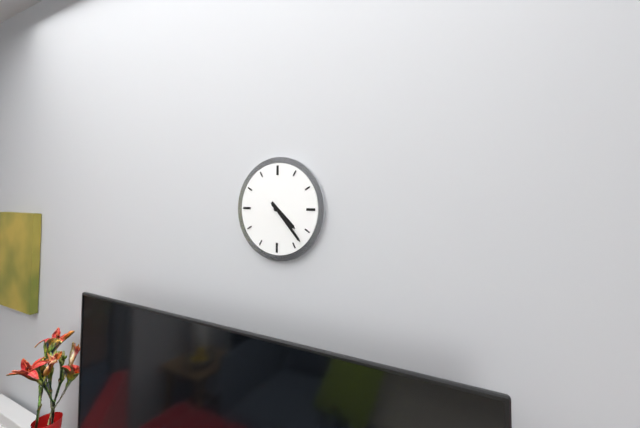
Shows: h=4 m=23
